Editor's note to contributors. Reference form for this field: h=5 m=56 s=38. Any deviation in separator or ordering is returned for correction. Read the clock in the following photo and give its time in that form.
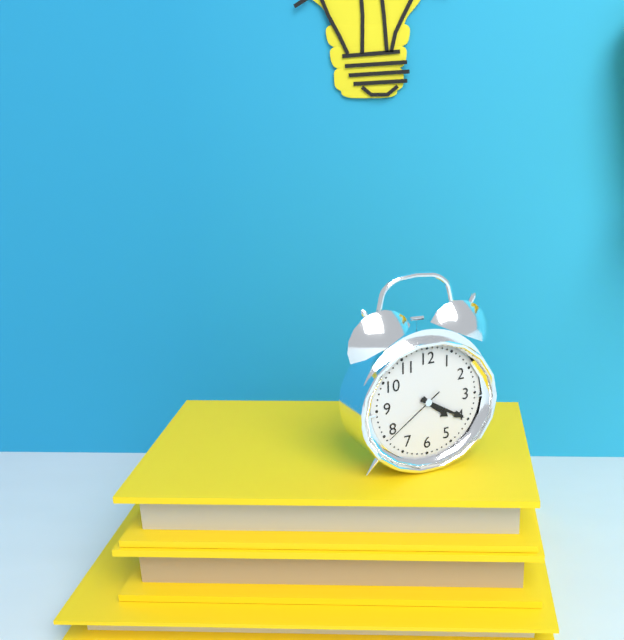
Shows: h=4 m=20 s=39
